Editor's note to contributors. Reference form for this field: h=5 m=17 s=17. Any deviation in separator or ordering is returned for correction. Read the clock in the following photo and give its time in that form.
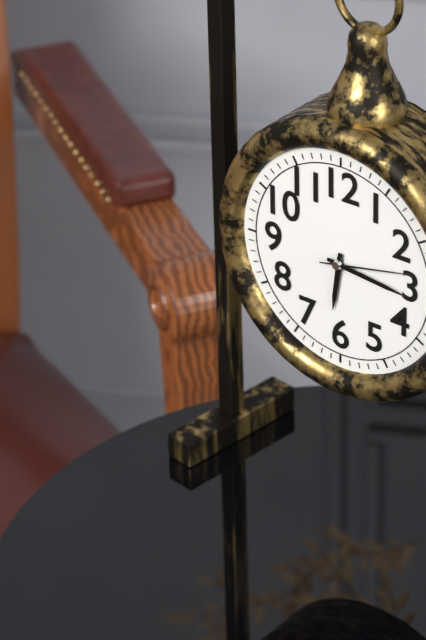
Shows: h=6 m=16 s=13
